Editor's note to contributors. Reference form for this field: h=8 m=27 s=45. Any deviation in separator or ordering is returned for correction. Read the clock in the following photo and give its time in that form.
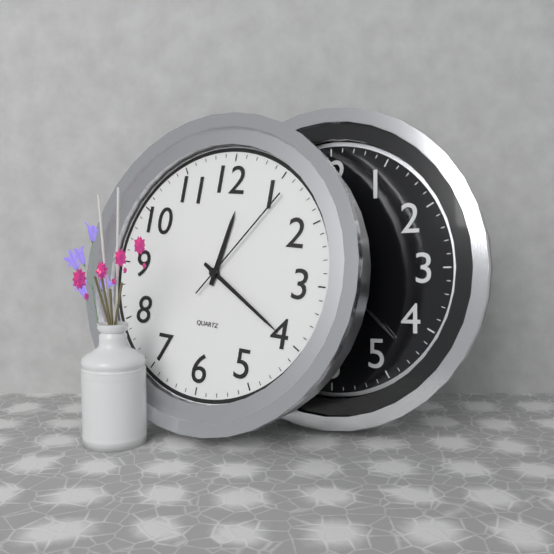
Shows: h=12 m=20 s=6
